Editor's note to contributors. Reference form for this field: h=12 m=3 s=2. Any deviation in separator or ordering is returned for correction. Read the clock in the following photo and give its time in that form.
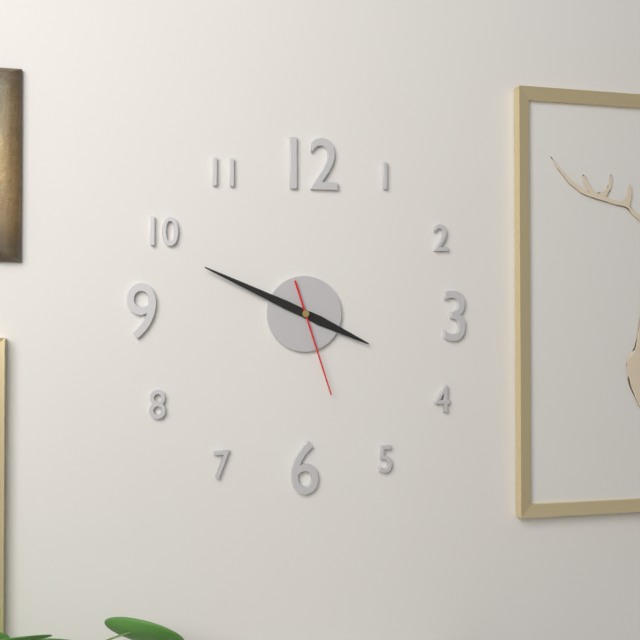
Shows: h=3 m=49 s=27
